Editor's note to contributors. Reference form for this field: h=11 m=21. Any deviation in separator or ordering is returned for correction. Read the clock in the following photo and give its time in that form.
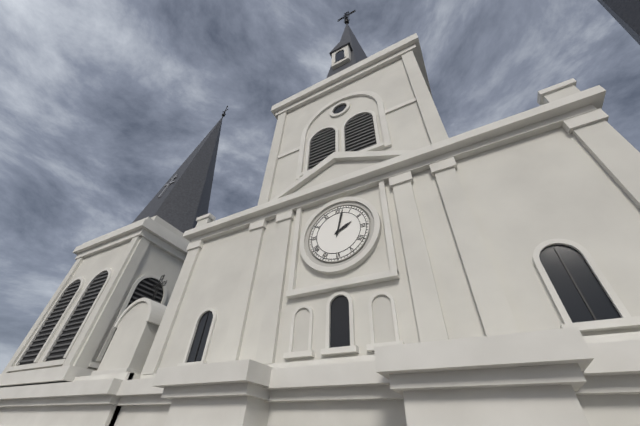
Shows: h=2 m=2
